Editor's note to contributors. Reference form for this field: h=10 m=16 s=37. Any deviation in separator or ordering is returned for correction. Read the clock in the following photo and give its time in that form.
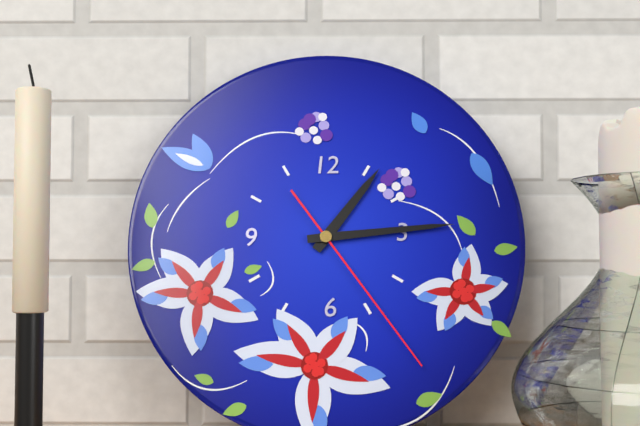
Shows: h=1 m=14 s=24
